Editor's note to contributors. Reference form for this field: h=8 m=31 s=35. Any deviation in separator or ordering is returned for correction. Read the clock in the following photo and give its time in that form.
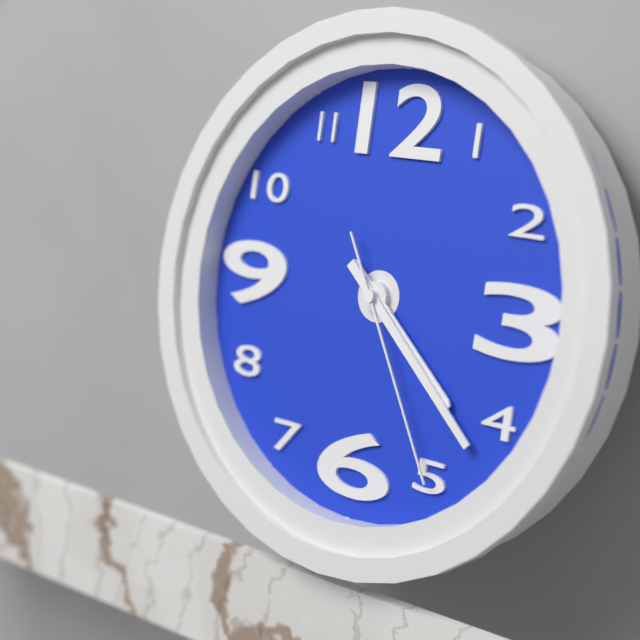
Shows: h=4 m=22 s=25
